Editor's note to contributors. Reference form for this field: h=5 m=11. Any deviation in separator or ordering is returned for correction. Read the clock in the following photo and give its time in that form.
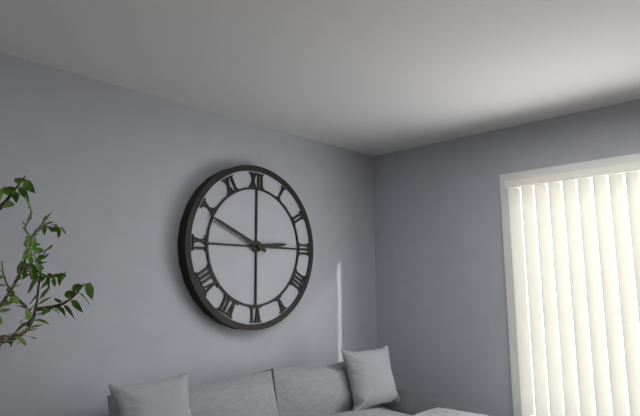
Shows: h=2 m=49
